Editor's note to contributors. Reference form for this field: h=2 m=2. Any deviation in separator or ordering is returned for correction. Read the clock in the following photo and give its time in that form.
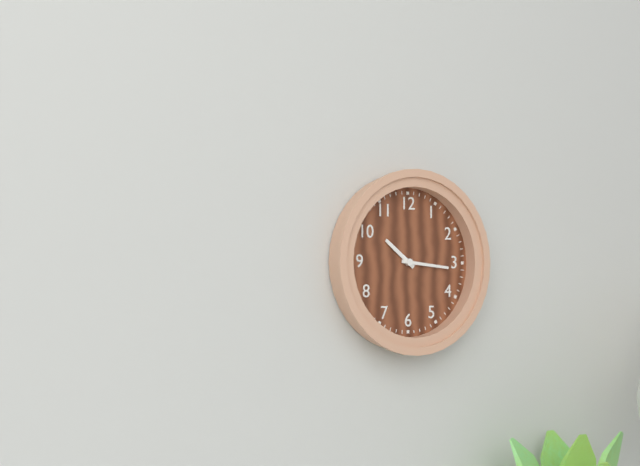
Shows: h=10 m=16
